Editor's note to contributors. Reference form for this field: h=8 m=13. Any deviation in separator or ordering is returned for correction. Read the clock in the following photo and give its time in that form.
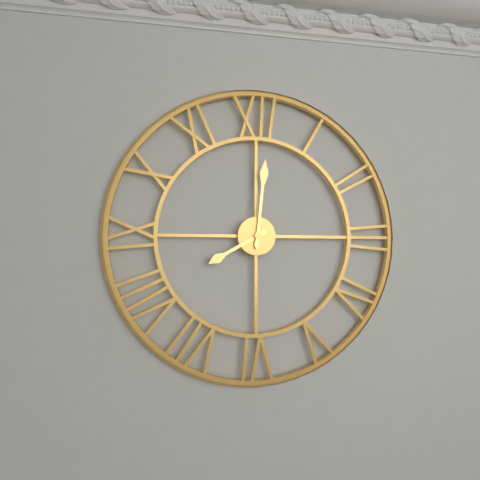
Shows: h=8 m=1
